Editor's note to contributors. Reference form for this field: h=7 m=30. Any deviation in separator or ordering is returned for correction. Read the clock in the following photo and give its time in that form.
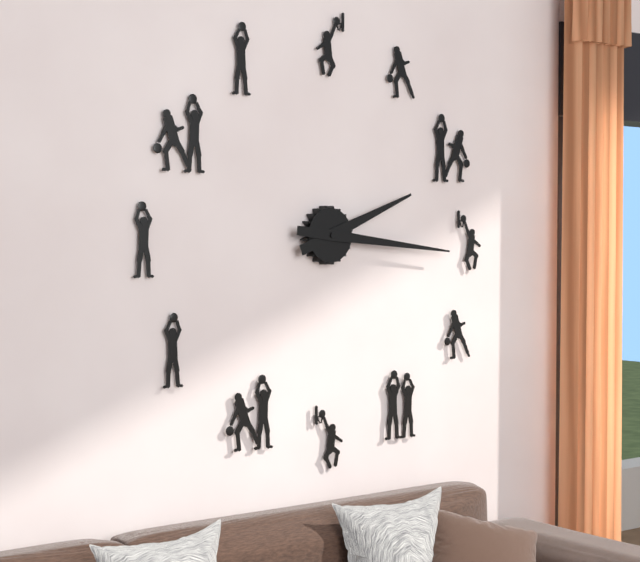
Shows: h=2 m=16
